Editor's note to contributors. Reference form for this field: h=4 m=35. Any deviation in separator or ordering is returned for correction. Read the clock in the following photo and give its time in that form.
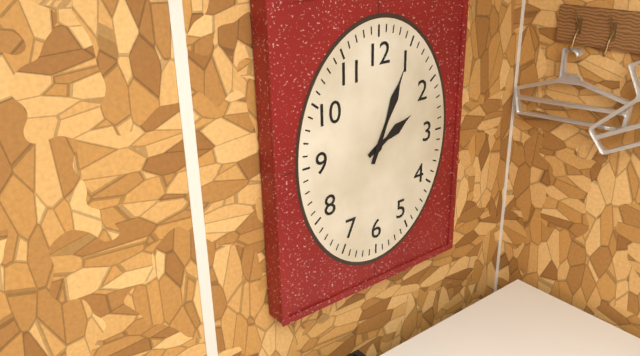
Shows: h=2 m=4
